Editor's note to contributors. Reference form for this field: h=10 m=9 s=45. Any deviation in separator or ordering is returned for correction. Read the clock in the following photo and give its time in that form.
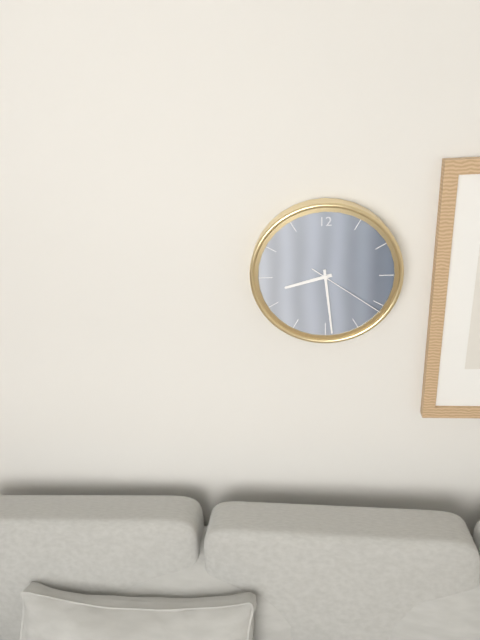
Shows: h=8 m=29 s=21
